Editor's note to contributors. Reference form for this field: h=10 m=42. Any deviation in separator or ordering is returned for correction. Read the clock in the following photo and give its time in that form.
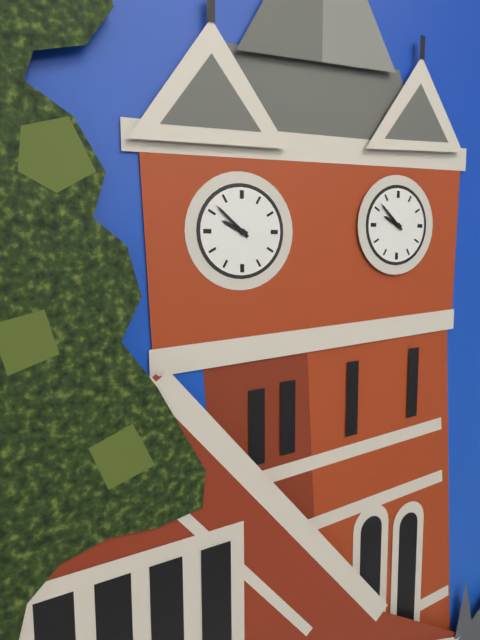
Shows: h=9 m=52
